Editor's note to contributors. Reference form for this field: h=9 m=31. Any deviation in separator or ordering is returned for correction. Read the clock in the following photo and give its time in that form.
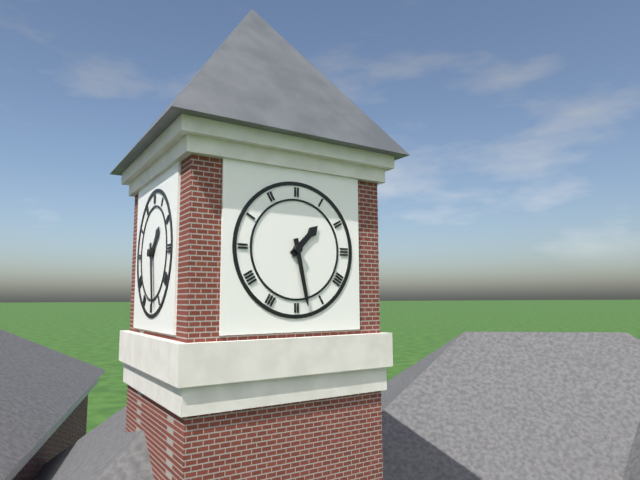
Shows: h=1 m=28
